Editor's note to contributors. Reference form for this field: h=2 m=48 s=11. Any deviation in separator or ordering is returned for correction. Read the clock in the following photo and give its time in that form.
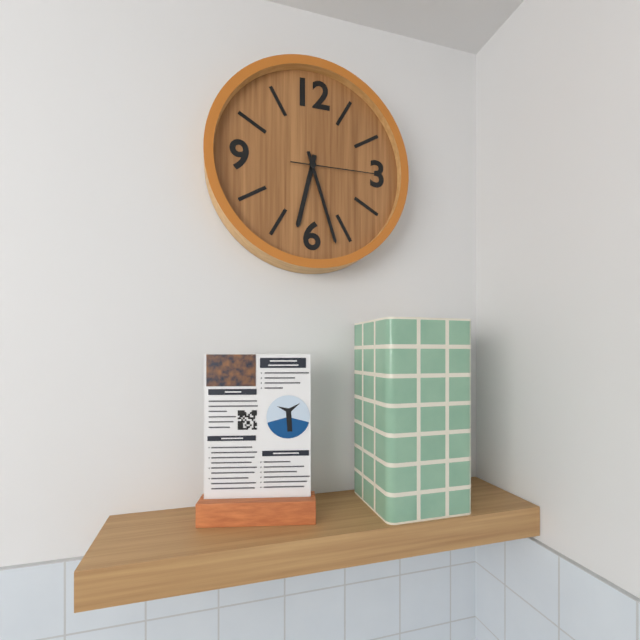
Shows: h=6 m=27 s=15
